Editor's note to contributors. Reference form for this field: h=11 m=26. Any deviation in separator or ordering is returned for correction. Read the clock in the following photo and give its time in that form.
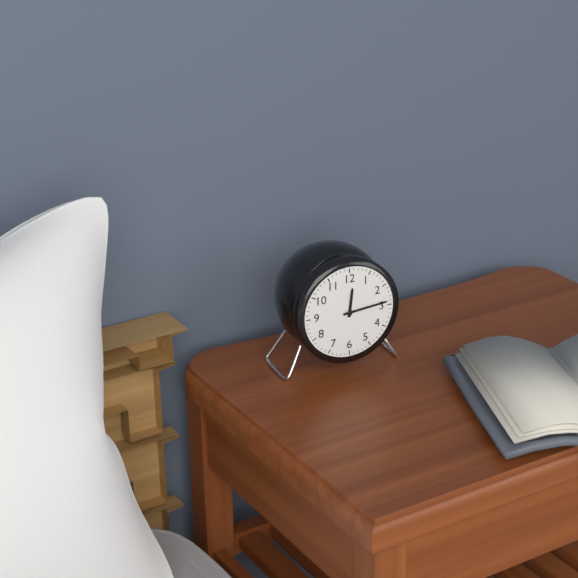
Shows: h=12 m=14
